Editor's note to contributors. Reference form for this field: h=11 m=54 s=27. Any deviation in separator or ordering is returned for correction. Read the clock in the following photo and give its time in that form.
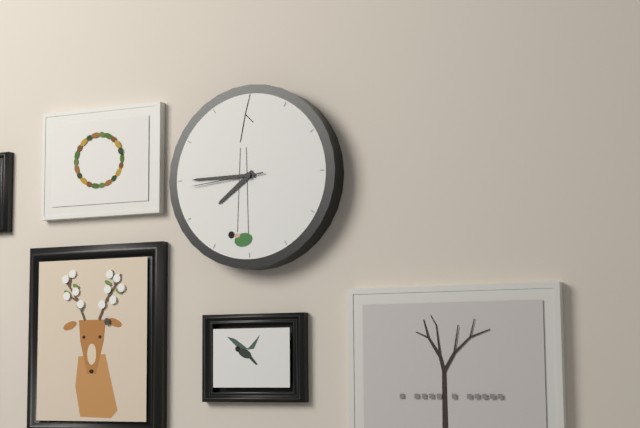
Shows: h=7 m=45 s=44
